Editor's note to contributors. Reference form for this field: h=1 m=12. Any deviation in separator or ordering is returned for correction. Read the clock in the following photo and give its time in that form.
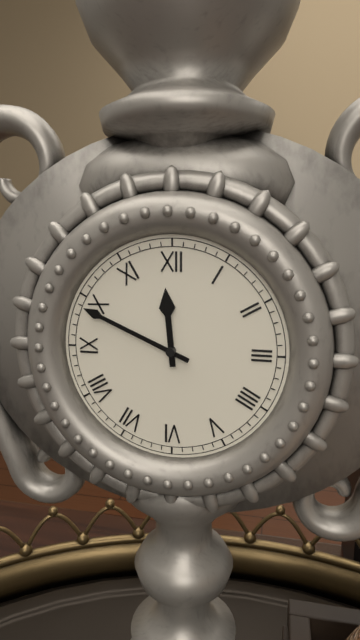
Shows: h=11 m=49
